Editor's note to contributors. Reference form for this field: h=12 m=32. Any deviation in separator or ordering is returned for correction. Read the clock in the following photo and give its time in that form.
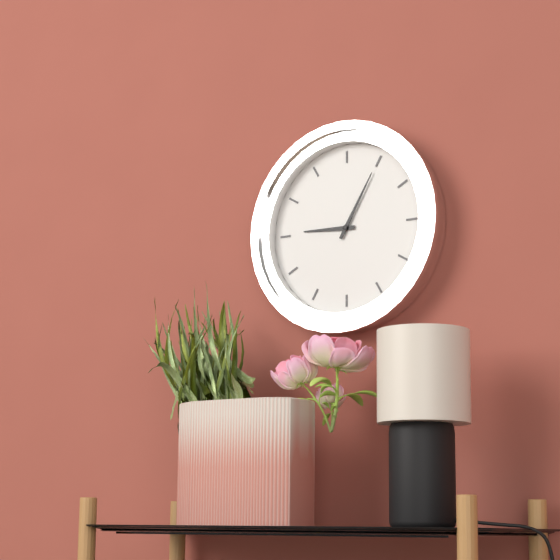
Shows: h=9 m=5
